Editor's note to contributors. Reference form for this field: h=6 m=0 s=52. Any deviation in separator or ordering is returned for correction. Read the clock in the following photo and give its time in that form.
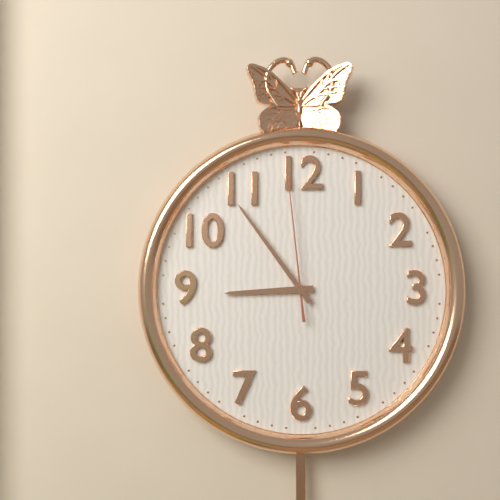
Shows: h=8 m=54 s=59
